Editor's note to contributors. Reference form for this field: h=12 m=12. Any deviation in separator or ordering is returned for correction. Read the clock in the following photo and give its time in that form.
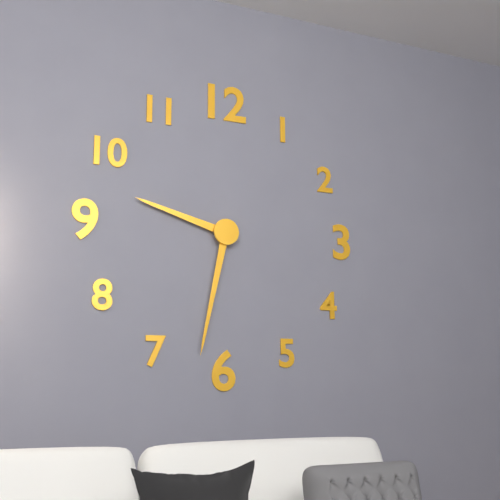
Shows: h=9 m=32
